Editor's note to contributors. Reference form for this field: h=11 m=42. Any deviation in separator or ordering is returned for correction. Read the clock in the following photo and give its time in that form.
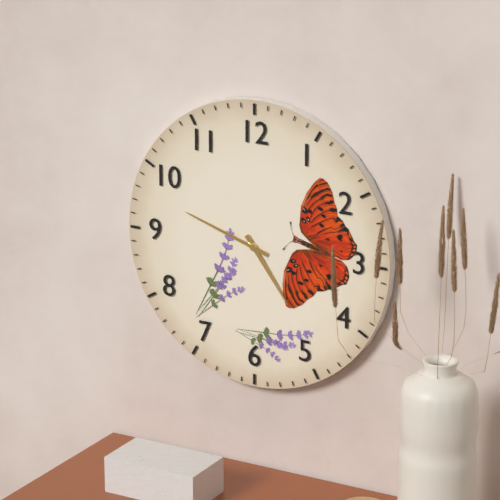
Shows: h=4 m=48
